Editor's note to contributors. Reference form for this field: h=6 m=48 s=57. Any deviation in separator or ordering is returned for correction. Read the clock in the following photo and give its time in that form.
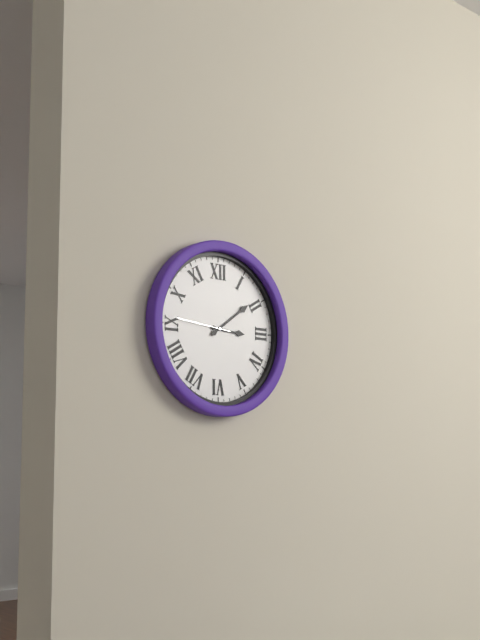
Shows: h=3 m=9 s=46
